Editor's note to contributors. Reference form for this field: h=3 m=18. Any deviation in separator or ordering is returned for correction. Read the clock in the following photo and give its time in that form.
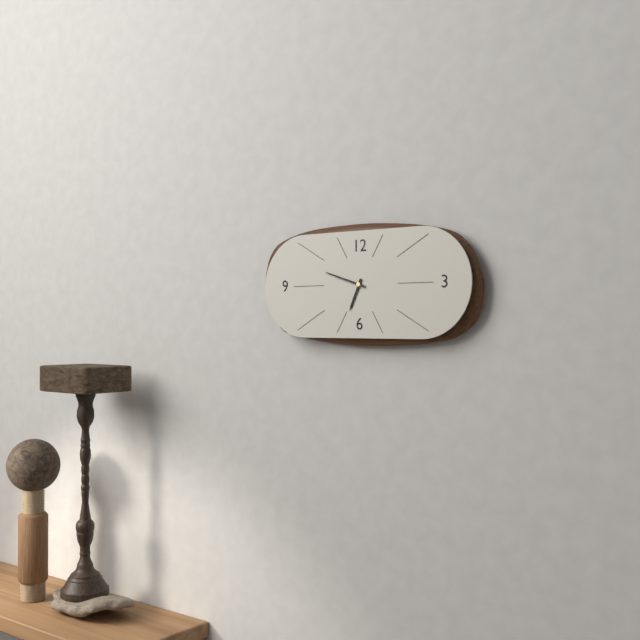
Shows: h=6 m=48
